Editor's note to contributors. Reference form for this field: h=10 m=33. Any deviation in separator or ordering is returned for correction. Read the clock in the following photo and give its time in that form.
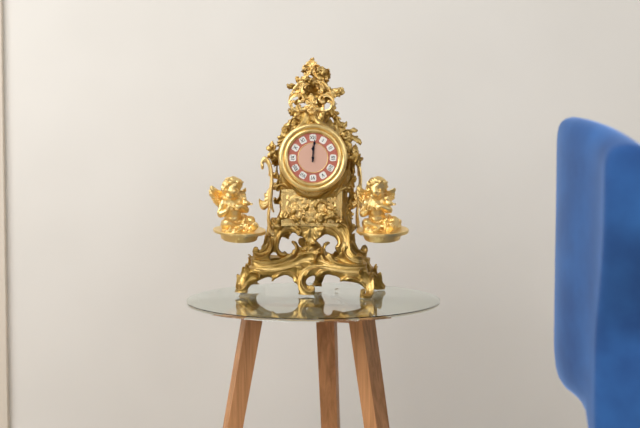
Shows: h=12 m=1
